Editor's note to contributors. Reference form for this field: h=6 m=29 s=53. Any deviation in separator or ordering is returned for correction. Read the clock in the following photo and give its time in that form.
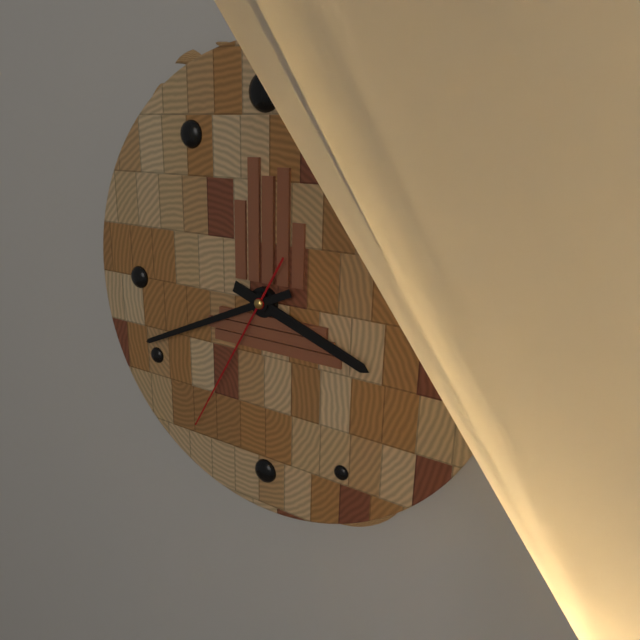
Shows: h=3 m=41 s=35
